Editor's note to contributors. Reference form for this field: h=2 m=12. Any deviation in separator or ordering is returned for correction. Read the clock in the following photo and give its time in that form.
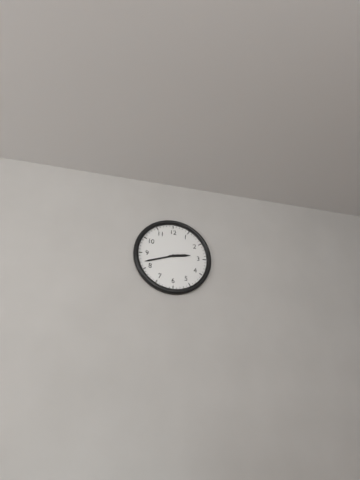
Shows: h=2 m=42
